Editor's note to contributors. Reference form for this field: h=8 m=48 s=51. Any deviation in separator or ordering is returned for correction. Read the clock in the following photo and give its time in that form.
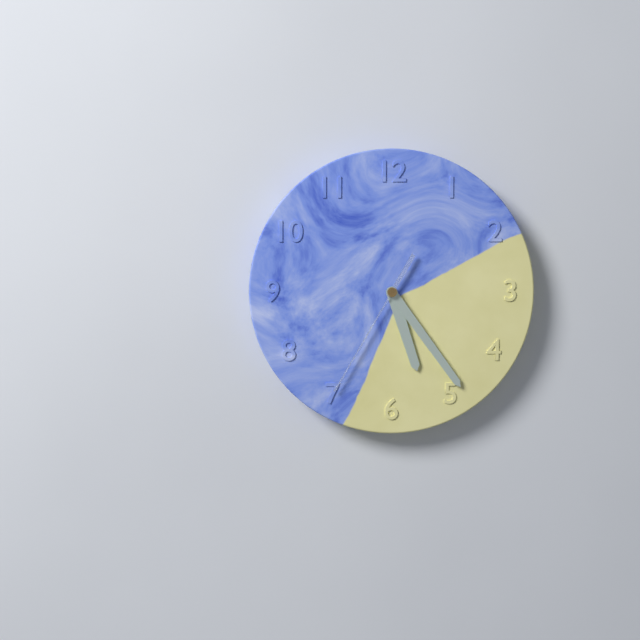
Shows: h=5 m=24 s=35
